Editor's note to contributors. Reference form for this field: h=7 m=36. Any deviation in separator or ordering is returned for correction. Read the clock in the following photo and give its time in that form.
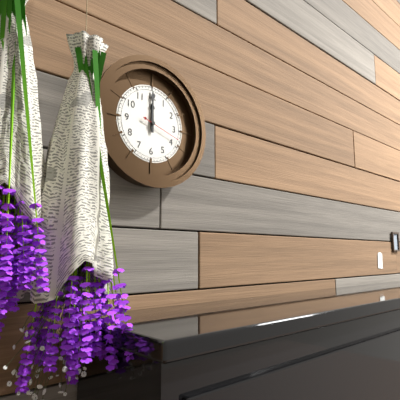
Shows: h=12 m=0
